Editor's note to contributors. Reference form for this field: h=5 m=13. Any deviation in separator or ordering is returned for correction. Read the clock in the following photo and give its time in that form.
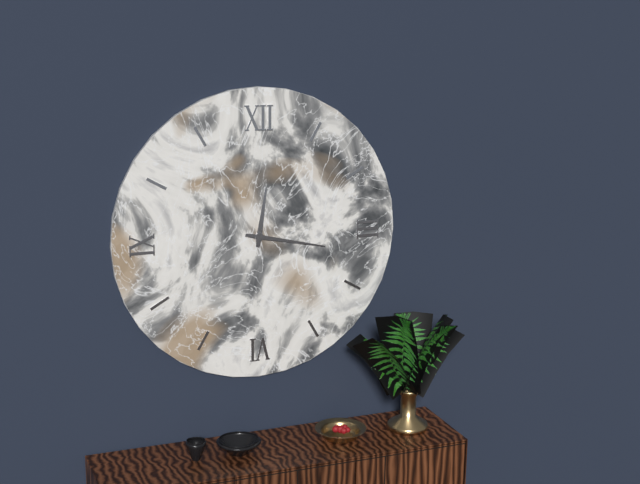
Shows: h=12 m=17
